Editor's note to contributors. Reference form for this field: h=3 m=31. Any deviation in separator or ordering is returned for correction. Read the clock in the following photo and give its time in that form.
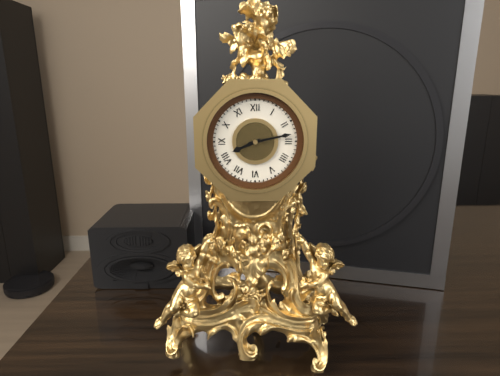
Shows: h=8 m=13
